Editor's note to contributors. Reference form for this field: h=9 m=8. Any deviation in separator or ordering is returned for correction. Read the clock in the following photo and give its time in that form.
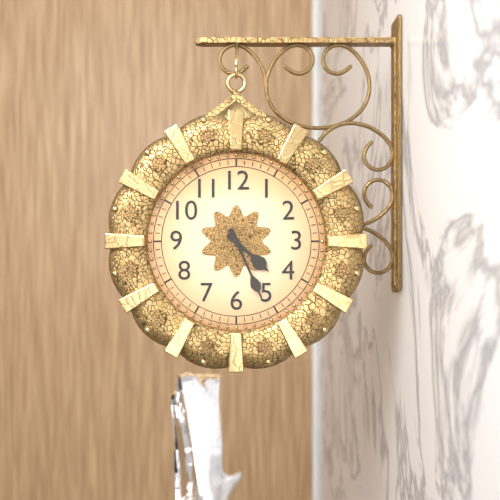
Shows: h=4 m=26
